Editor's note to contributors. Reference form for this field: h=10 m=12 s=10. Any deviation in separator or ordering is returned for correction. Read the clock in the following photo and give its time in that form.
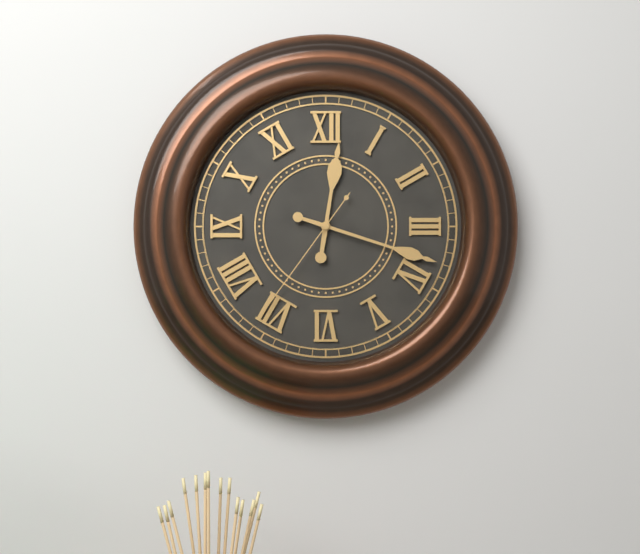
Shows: h=12 m=18 s=36
